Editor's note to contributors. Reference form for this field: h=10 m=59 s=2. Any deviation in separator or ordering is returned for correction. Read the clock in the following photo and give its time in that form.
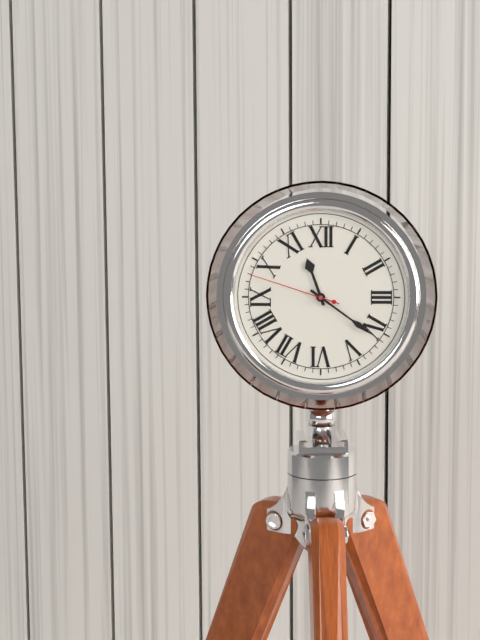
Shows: h=11 m=21 s=48
